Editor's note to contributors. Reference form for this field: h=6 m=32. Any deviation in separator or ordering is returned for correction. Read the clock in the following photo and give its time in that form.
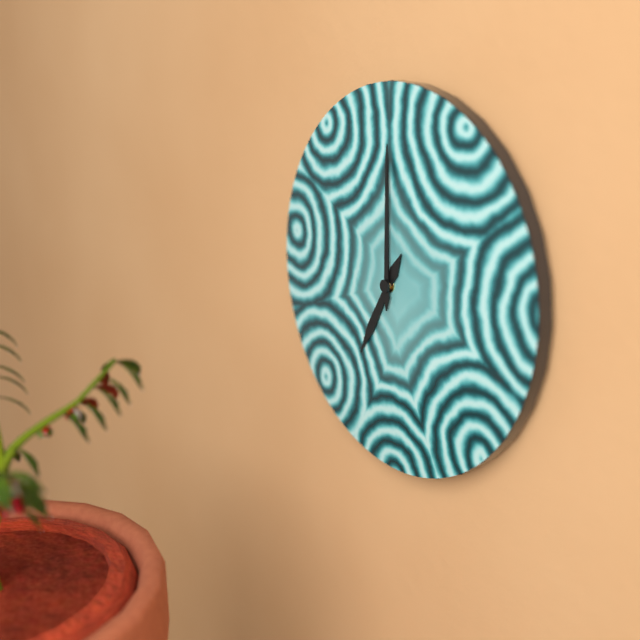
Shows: h=7 m=0
